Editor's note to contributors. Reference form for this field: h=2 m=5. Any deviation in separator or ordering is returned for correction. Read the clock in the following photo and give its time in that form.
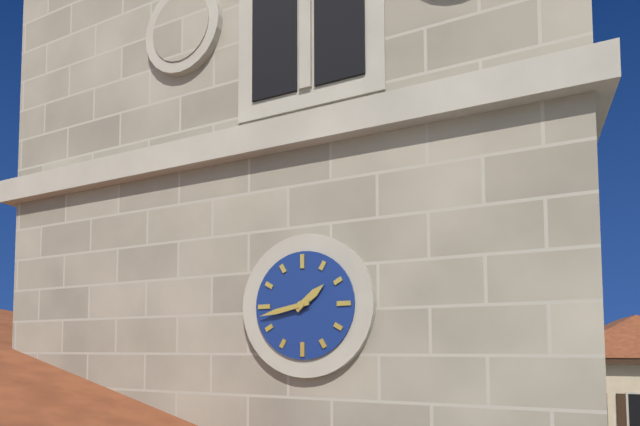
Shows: h=1 m=43
